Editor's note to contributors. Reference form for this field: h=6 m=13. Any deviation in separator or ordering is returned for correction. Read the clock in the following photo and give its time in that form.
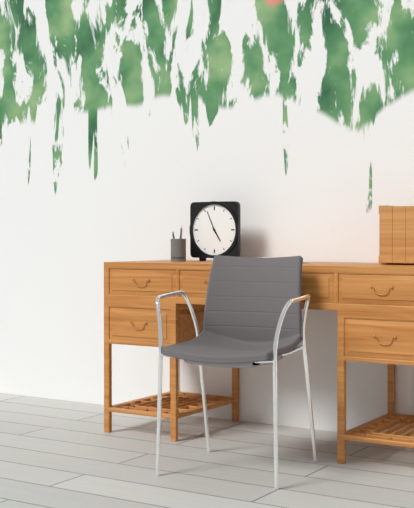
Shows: h=4 m=56
